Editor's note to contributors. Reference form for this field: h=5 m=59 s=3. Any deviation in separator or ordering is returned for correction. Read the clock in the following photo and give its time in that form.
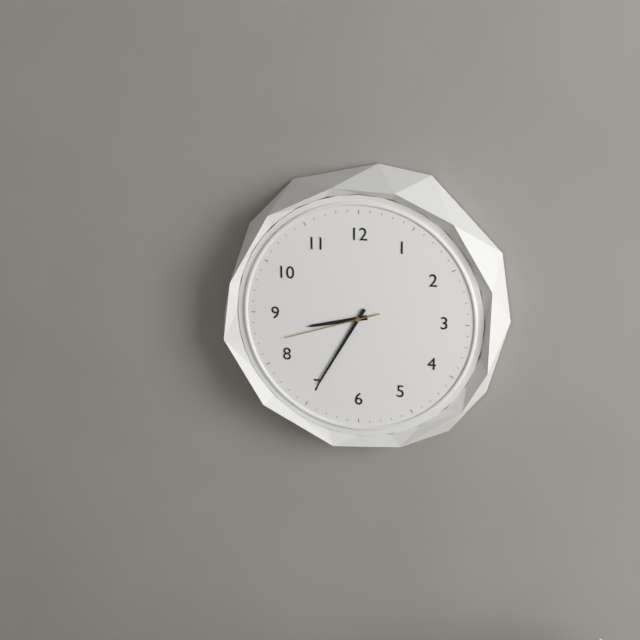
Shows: h=8 m=35 s=42
